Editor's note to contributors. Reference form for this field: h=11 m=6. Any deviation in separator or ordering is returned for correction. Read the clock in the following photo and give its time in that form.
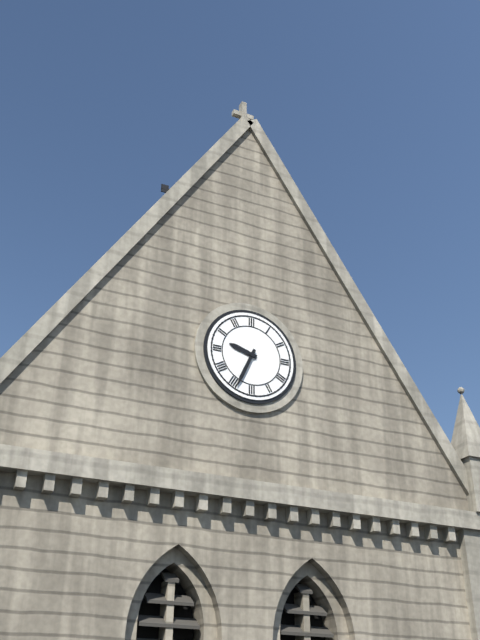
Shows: h=9 m=34
